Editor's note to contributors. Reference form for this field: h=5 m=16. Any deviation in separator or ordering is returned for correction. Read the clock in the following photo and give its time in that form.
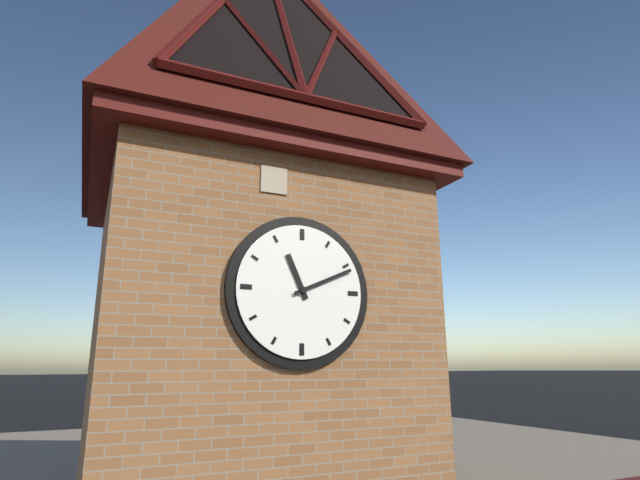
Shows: h=11 m=11
